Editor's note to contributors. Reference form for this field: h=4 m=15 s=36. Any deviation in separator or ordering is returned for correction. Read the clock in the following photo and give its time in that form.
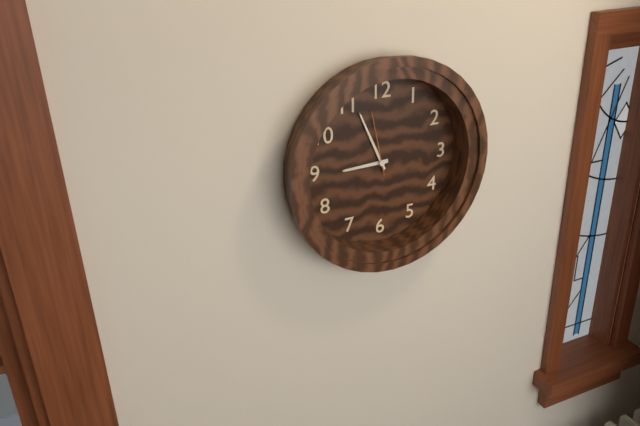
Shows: h=8 m=56 s=58
